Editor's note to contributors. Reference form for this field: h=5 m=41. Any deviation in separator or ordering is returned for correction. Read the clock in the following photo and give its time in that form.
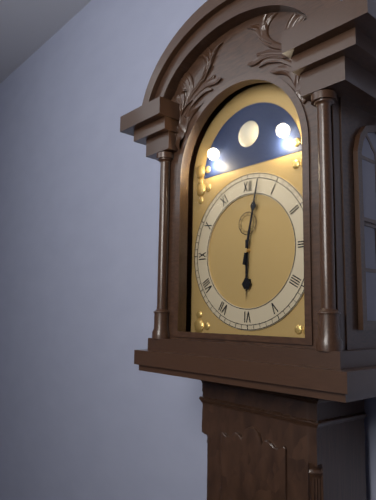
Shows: h=6 m=2
